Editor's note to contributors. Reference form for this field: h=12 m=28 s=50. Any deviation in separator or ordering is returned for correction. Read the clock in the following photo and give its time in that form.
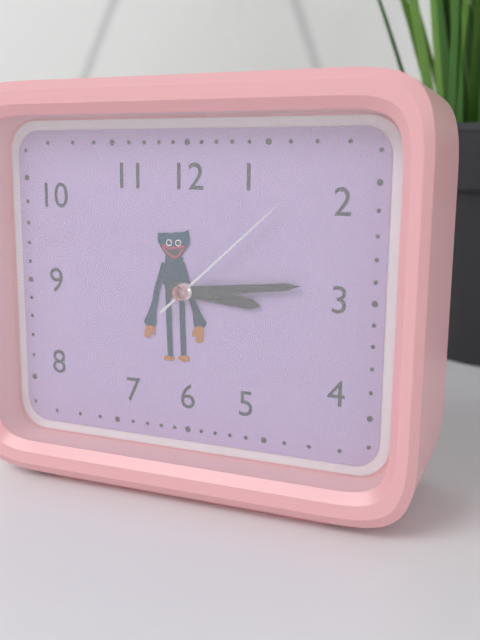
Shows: h=3 m=14 s=8
